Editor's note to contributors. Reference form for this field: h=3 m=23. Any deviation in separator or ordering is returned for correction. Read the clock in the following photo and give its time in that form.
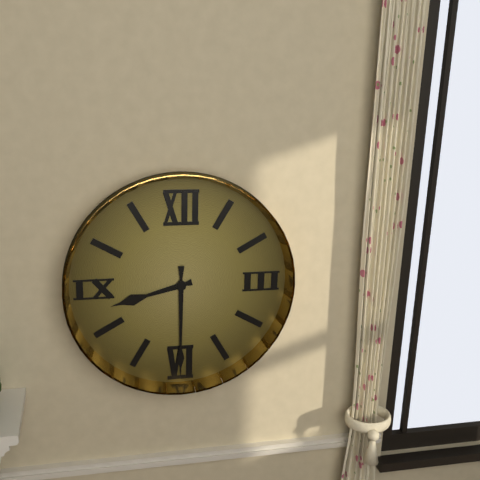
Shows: h=8 m=30
